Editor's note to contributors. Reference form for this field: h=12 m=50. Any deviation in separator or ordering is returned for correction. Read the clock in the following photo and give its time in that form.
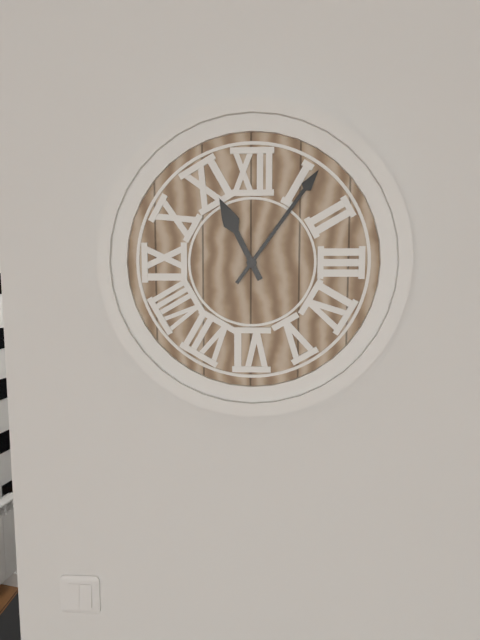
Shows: h=11 m=6
